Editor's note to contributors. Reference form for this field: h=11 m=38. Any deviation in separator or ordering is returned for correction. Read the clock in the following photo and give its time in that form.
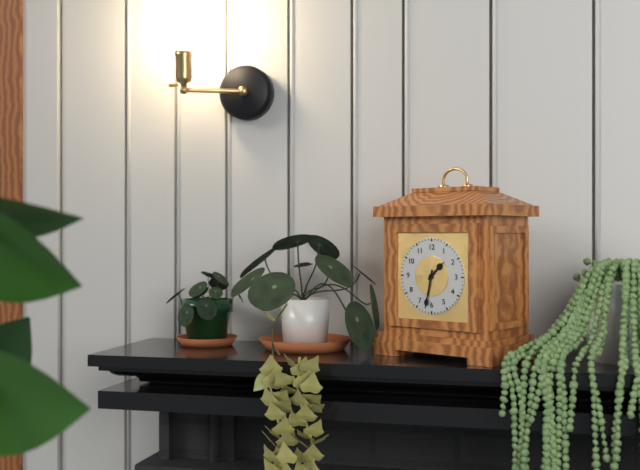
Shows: h=1 m=32
